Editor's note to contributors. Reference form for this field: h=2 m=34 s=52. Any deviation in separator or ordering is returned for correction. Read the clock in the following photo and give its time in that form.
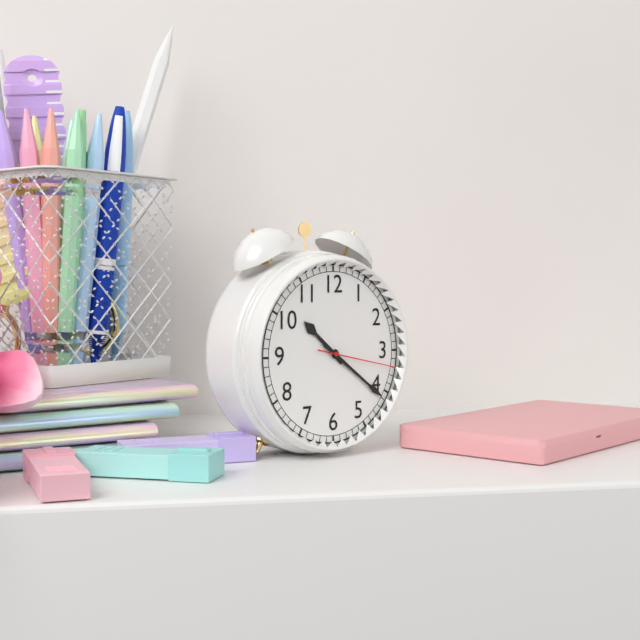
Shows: h=10 m=21 s=17
